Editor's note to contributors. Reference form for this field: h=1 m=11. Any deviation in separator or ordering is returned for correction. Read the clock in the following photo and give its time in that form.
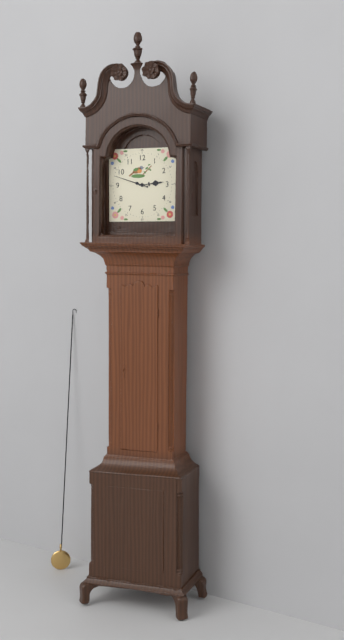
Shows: h=2 m=48
